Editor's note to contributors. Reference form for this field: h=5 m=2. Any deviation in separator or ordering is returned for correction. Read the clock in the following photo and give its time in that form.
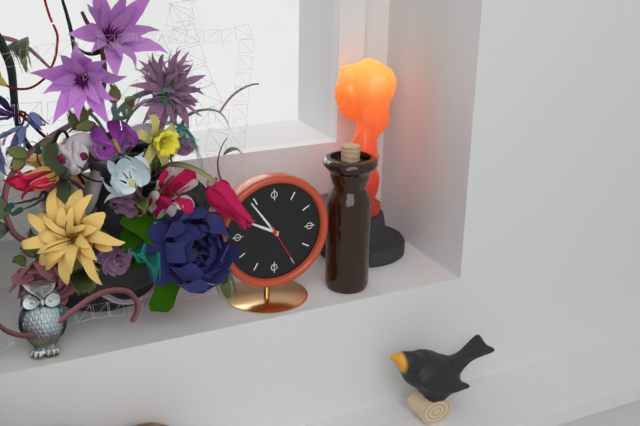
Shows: h=9 m=54
